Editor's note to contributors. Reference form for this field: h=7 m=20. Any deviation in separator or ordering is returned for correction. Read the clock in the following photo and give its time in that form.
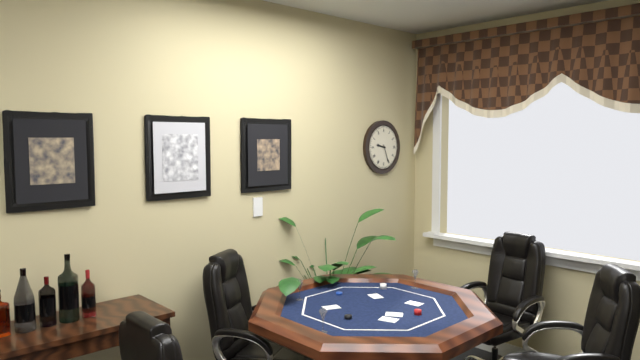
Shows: h=9 m=26
